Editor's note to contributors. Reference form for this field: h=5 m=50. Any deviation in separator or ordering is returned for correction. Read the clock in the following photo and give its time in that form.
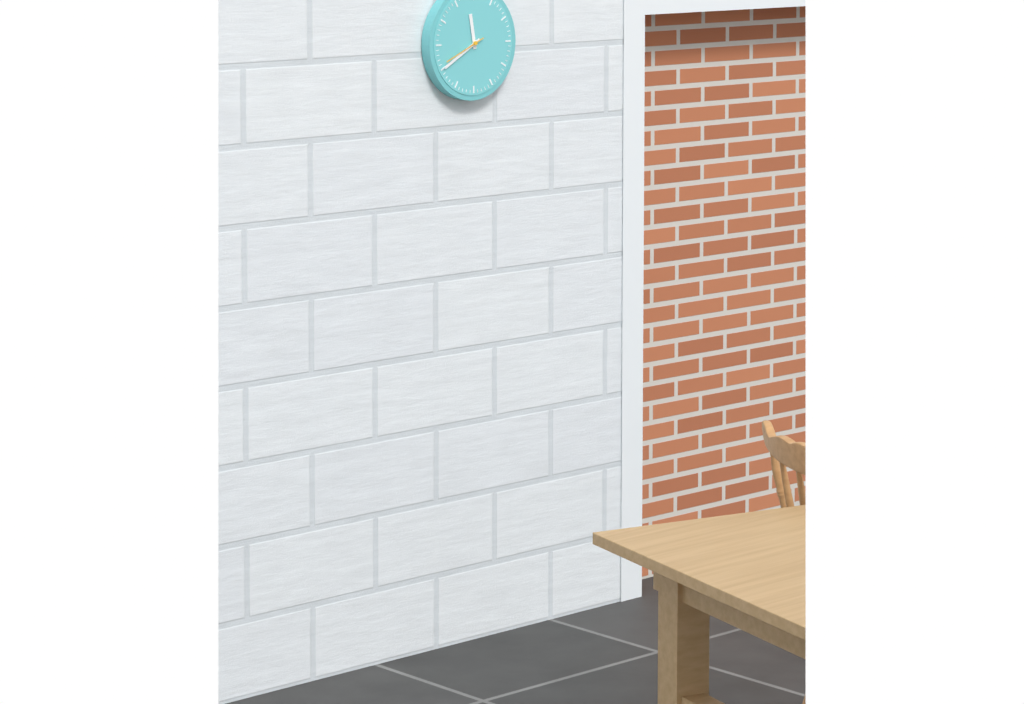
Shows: h=11 m=40
